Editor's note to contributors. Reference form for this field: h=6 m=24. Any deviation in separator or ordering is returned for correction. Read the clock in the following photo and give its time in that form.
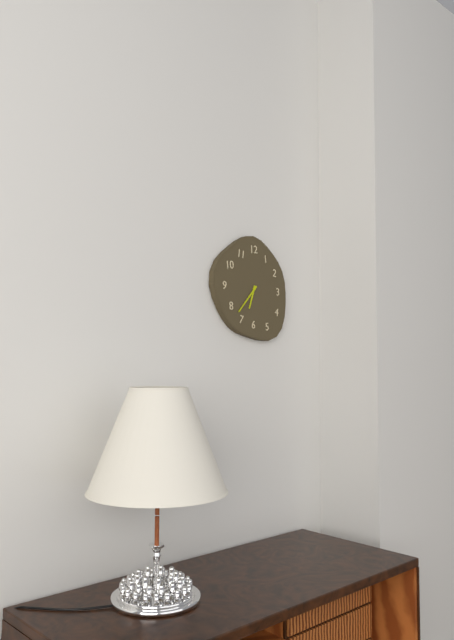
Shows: h=6 m=37
